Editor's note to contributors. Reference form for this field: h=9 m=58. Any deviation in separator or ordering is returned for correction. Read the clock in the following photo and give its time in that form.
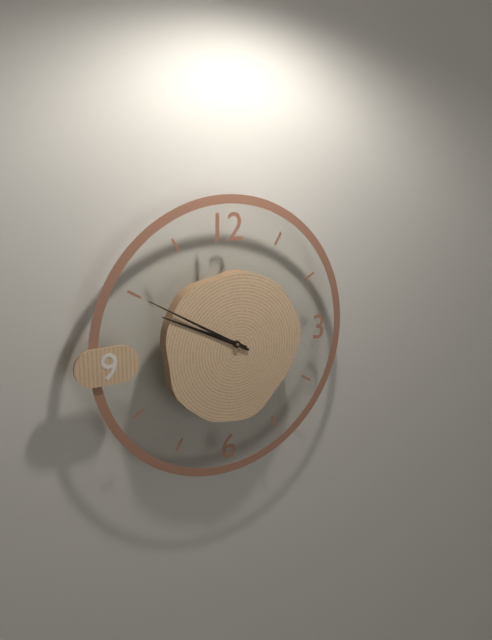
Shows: h=9 m=50
